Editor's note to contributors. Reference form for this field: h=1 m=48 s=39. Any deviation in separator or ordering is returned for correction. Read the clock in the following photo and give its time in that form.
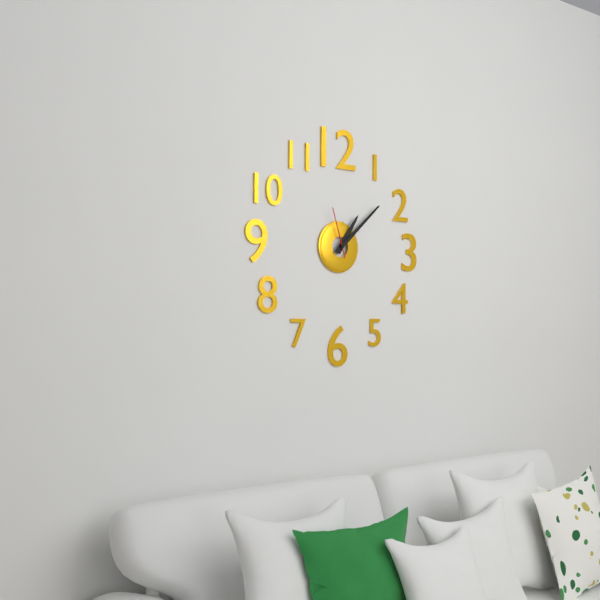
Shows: h=1 m=8 s=57
